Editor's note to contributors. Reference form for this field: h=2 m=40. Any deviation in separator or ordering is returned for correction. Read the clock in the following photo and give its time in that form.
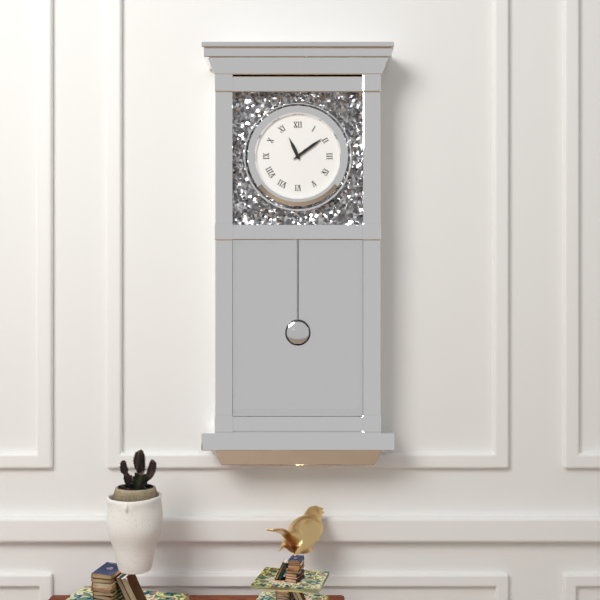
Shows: h=11 m=9
